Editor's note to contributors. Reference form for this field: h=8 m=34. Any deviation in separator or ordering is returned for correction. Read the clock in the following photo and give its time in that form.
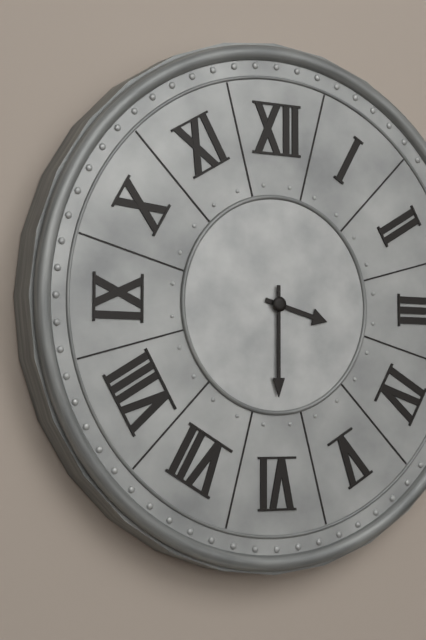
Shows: h=3 m=30
